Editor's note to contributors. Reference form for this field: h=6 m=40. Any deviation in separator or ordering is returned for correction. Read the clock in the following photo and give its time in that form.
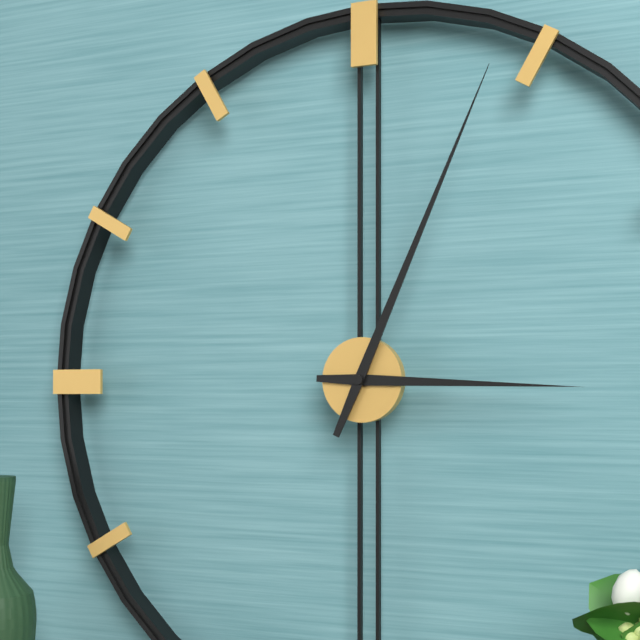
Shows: h=3 m=4
